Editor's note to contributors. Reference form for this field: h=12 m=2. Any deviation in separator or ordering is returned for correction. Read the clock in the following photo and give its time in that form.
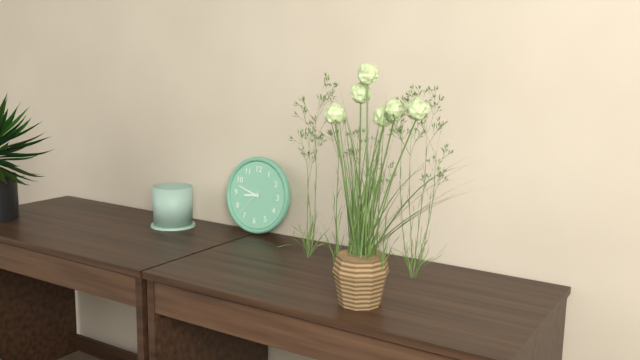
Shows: h=8 m=48
